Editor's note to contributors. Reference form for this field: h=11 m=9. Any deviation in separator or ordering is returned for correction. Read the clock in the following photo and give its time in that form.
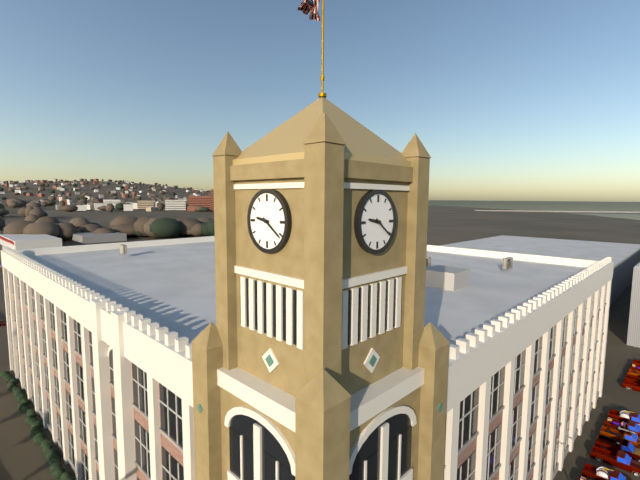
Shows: h=9 m=21
